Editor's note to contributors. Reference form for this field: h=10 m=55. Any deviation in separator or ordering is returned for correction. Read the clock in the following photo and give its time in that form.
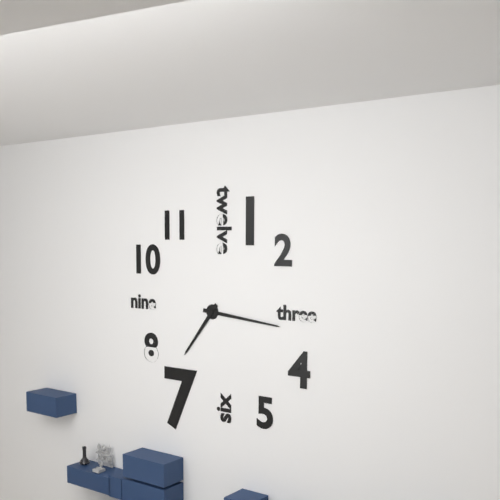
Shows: h=7 m=16
